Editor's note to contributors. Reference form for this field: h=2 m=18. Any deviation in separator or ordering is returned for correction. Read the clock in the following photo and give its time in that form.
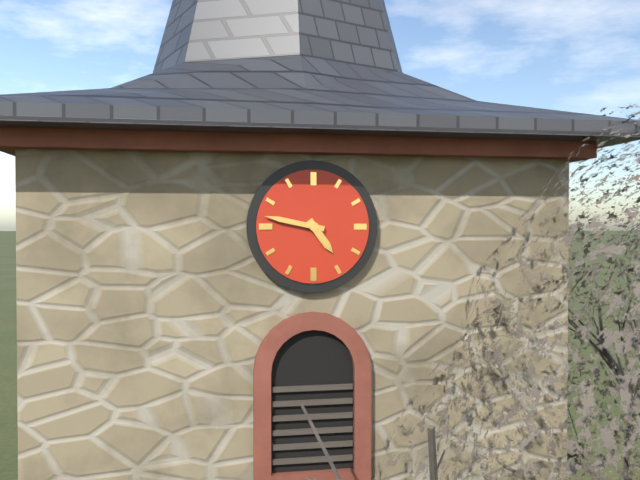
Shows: h=4 m=47
